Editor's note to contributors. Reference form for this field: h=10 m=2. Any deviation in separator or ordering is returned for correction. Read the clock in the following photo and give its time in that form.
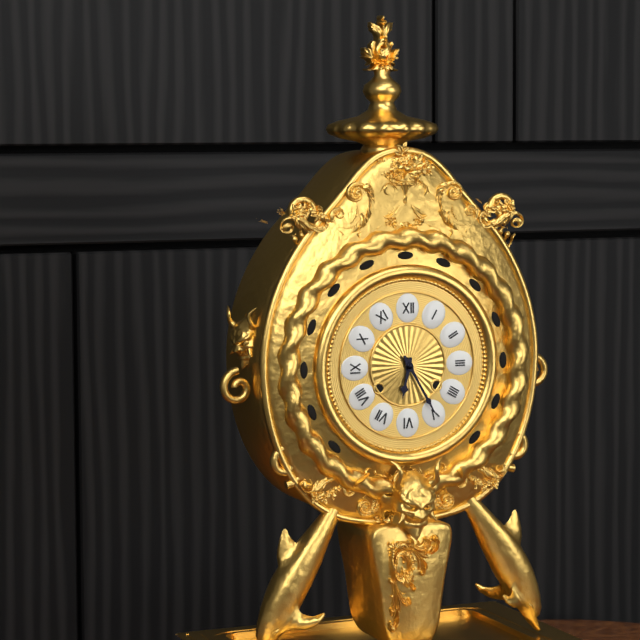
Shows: h=6 m=25
